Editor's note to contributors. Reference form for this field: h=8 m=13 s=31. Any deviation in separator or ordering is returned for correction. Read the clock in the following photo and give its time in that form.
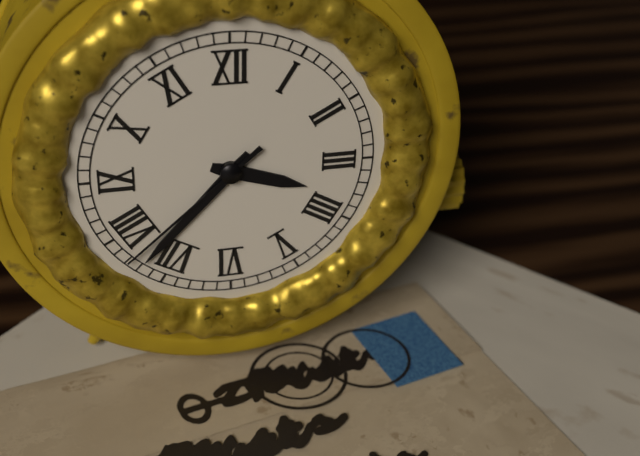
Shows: h=3 m=37 s=38
